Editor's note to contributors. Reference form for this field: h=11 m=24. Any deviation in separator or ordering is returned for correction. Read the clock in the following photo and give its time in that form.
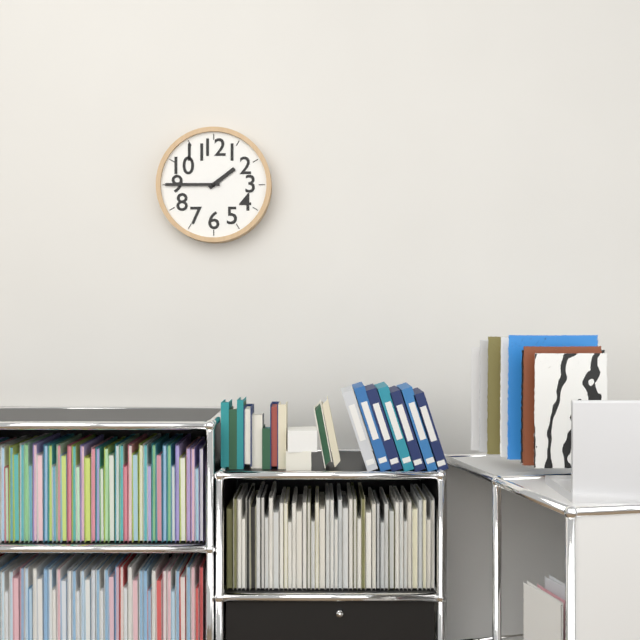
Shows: h=1 m=45
